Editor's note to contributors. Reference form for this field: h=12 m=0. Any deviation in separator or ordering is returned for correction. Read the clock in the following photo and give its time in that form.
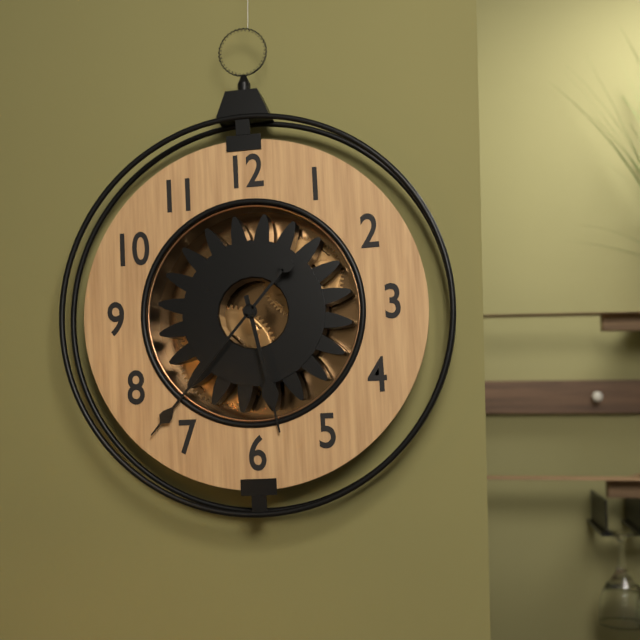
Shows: h=5 m=37
